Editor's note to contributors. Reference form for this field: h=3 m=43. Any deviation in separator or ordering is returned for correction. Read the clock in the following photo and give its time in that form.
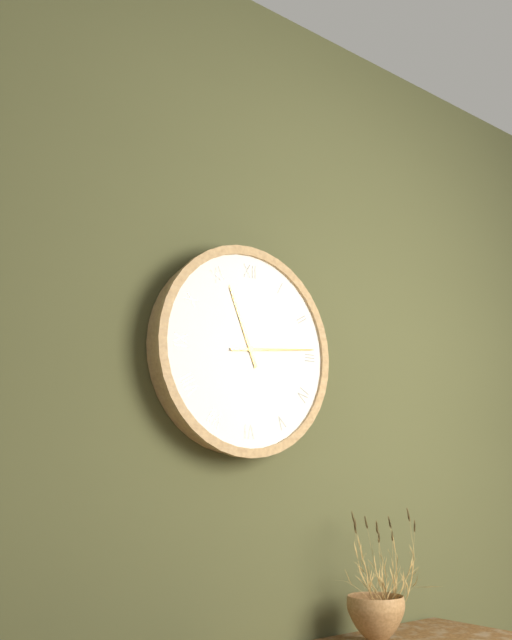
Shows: h=11 m=14
